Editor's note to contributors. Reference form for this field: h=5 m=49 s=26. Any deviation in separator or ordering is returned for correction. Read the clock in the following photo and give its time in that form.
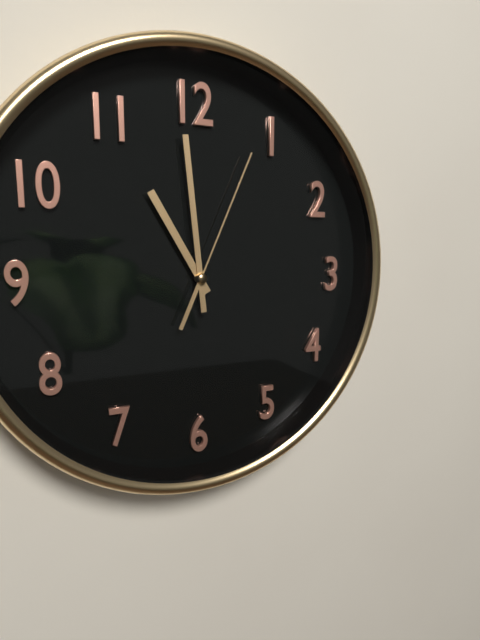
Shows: h=10 m=59 s=4
